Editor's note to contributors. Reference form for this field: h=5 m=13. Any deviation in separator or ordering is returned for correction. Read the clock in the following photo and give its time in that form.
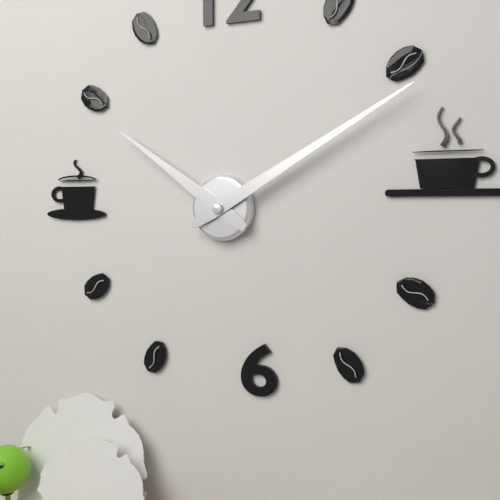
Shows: h=10 m=10
